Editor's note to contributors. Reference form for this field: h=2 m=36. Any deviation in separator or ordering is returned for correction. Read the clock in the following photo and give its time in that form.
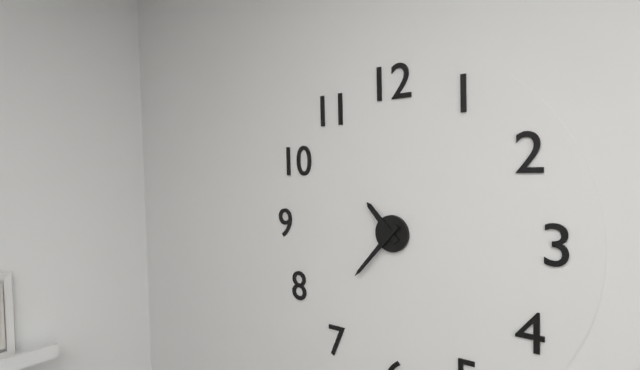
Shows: h=10 m=37
